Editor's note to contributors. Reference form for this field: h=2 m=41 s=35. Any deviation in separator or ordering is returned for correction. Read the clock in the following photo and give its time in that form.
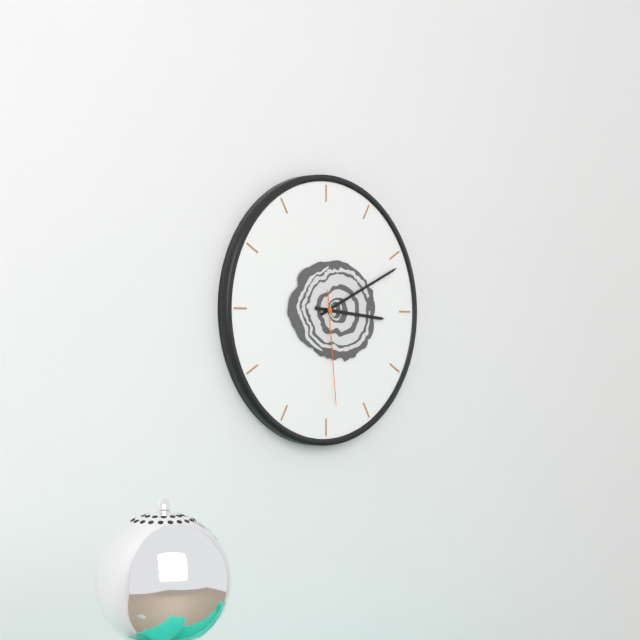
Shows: h=3 m=11 s=29
